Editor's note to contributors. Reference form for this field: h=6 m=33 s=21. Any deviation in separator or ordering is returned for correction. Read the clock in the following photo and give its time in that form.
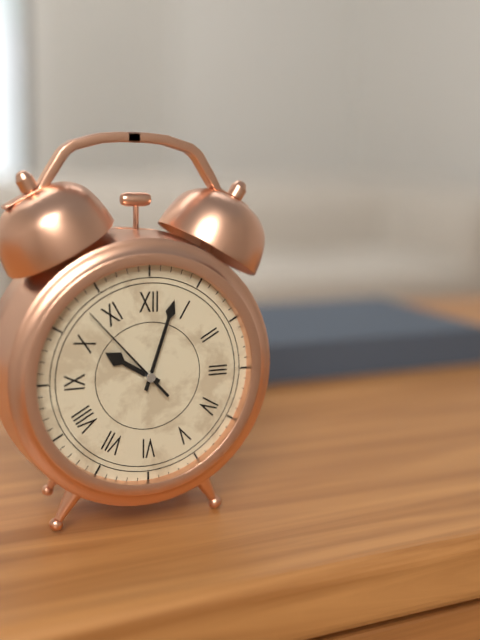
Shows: h=10 m=3 s=53
